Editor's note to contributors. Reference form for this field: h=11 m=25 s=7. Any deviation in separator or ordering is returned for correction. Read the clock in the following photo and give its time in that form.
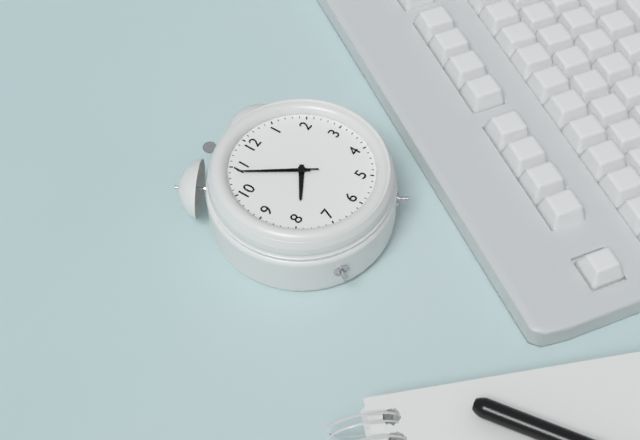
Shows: h=7 m=54 s=54
